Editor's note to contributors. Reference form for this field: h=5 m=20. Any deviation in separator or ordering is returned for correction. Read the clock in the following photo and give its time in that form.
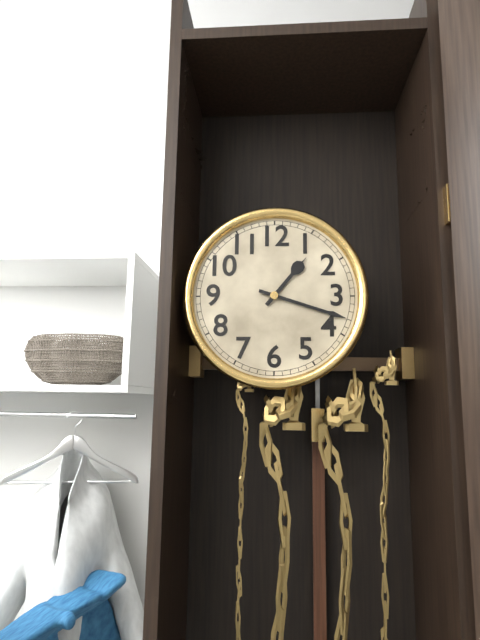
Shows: h=1 m=18
